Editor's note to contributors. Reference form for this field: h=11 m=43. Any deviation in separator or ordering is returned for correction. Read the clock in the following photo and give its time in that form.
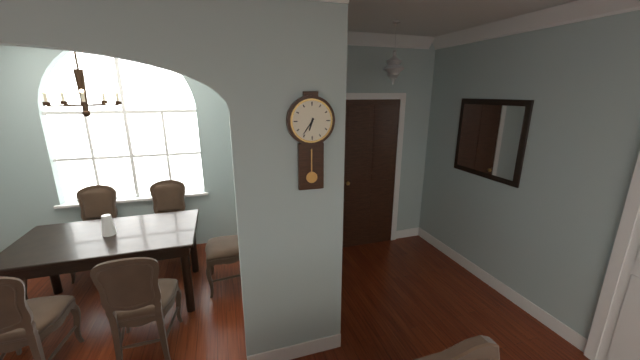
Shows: h=6 m=36
